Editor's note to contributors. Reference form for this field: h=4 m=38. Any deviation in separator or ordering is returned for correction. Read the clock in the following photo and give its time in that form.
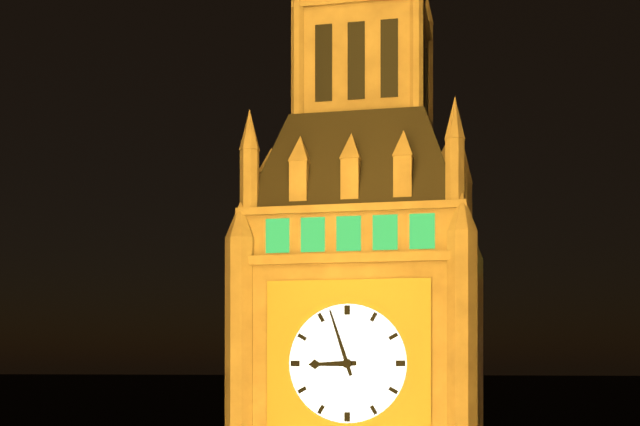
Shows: h=8 m=57
